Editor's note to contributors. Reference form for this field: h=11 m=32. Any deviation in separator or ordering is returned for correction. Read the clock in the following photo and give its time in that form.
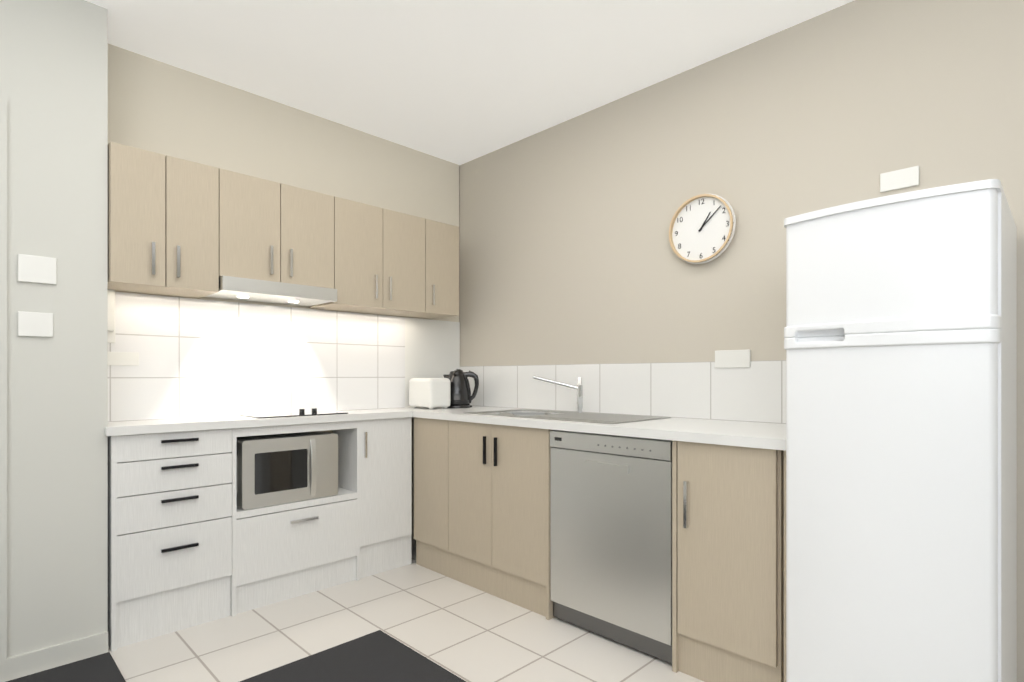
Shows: h=1 m=8
